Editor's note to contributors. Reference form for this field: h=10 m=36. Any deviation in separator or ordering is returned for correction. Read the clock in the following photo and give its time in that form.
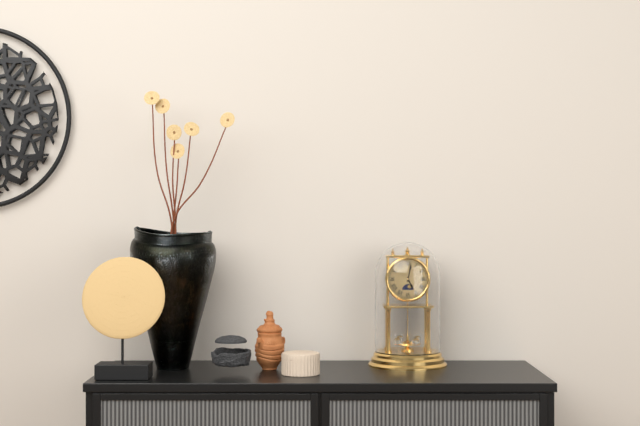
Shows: h=5 m=2
